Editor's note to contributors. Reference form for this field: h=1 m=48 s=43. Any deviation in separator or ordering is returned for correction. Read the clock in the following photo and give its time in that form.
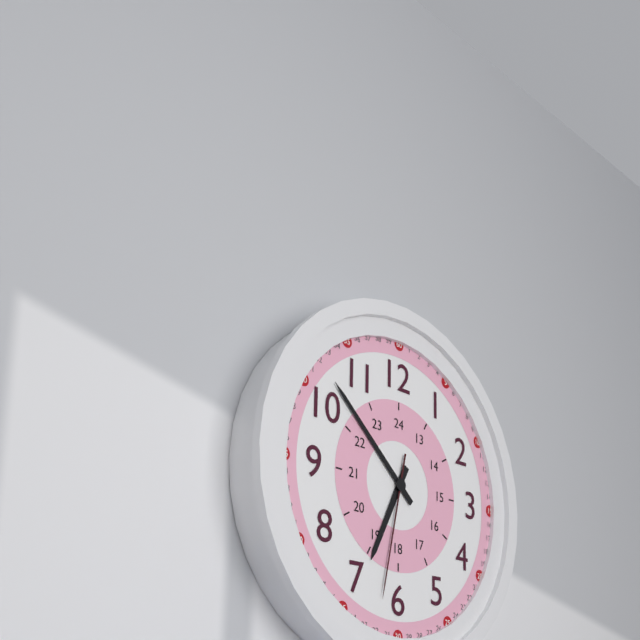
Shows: h=6 m=52 s=32
